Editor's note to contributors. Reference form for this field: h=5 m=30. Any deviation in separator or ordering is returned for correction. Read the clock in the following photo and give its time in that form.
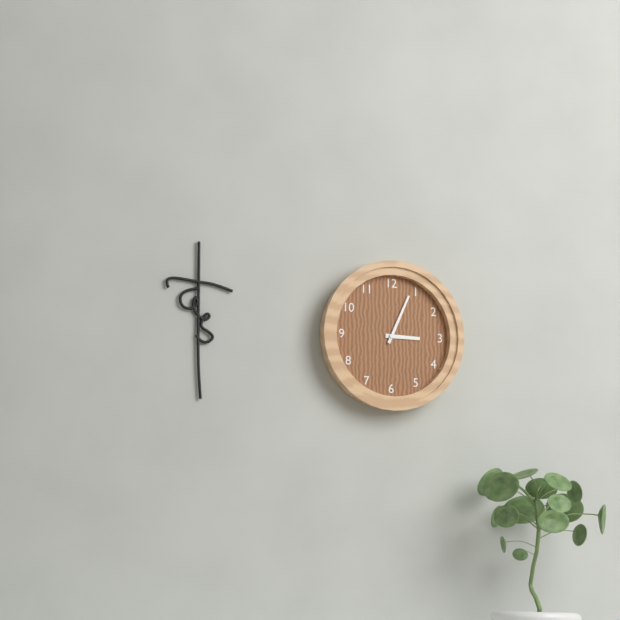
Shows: h=3 m=4
